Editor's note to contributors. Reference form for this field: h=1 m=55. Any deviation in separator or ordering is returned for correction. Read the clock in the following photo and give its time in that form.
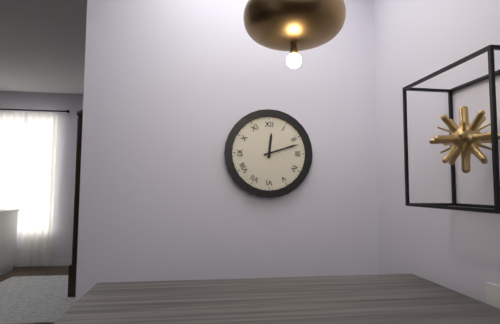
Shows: h=12 m=12
